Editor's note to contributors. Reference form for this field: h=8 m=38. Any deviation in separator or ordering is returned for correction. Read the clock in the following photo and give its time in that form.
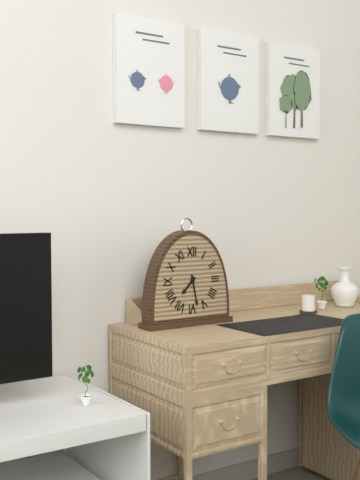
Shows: h=7 m=28
